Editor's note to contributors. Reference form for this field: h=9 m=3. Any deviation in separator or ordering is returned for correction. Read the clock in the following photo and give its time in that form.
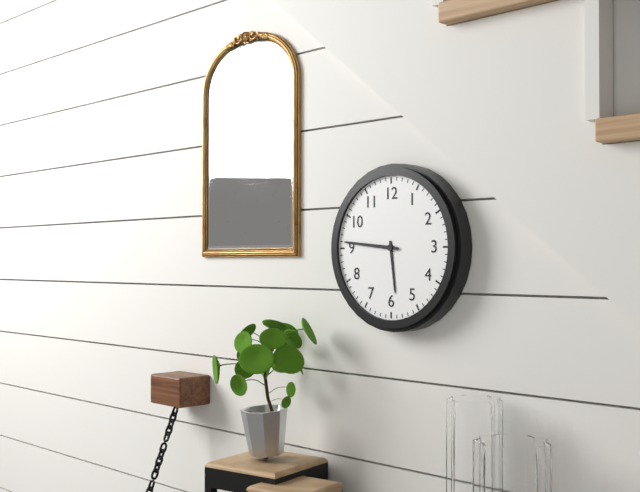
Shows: h=5 m=46
